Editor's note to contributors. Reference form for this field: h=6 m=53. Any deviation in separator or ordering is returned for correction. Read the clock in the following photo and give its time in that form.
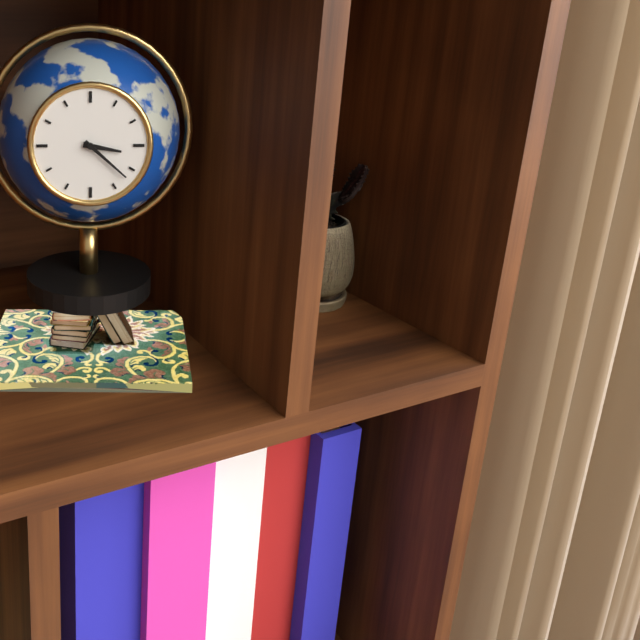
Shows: h=3 m=22
